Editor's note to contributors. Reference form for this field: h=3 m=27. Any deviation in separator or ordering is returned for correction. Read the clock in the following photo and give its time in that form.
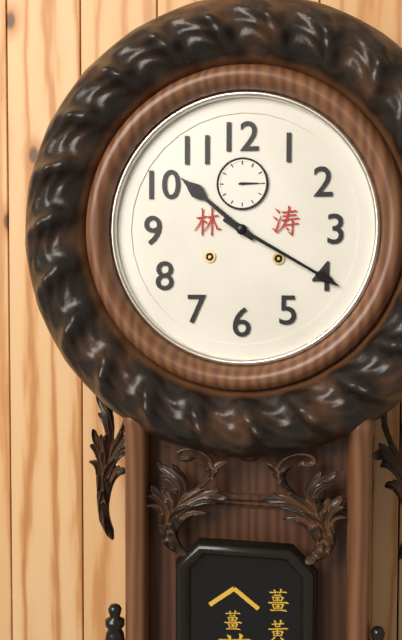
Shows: h=10 m=20
